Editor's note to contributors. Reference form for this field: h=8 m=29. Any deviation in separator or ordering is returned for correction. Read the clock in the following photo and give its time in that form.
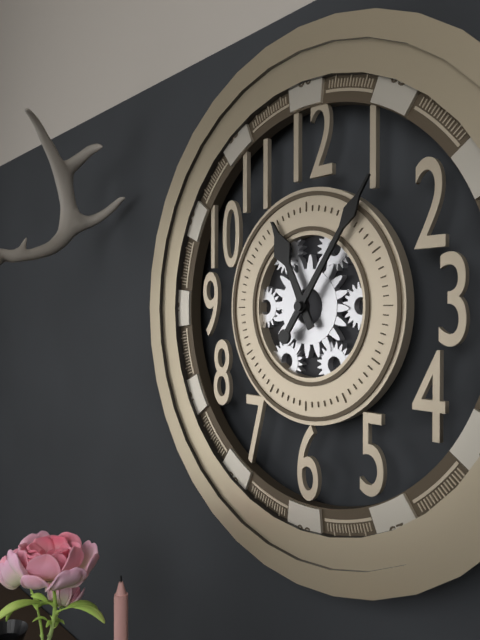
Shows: h=11 m=6
